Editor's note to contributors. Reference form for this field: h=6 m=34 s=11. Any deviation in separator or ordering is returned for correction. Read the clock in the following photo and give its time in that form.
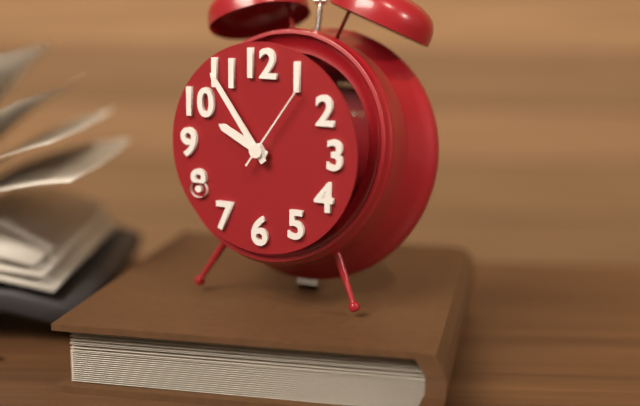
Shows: h=9 m=54 s=6
